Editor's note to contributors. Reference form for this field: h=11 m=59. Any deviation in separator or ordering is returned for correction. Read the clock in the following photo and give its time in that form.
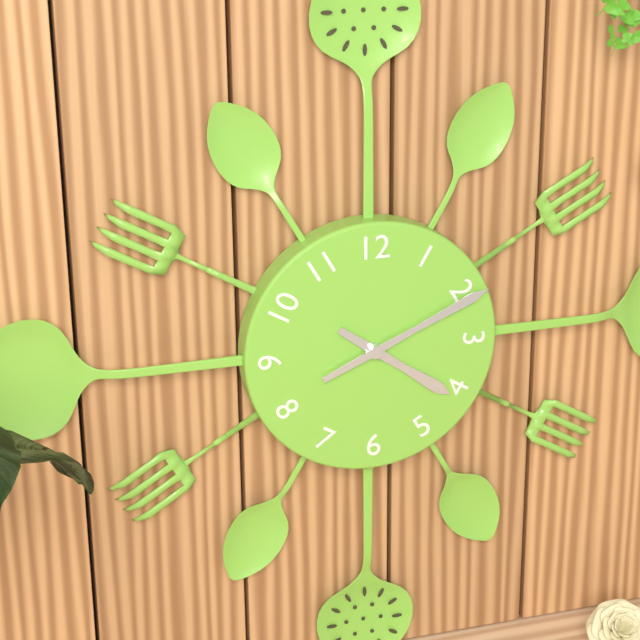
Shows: h=4 m=11
